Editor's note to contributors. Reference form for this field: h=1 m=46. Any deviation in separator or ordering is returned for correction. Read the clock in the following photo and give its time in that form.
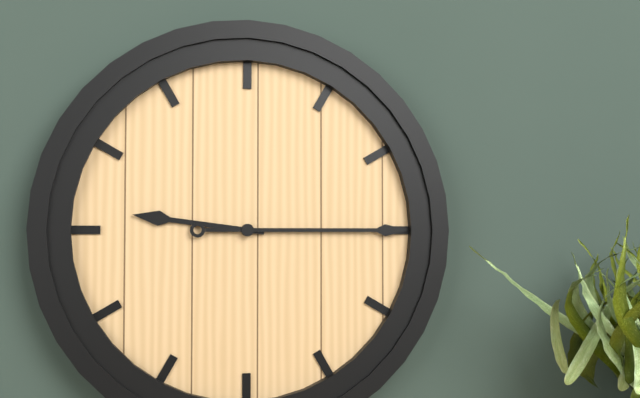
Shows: h=9 m=15
